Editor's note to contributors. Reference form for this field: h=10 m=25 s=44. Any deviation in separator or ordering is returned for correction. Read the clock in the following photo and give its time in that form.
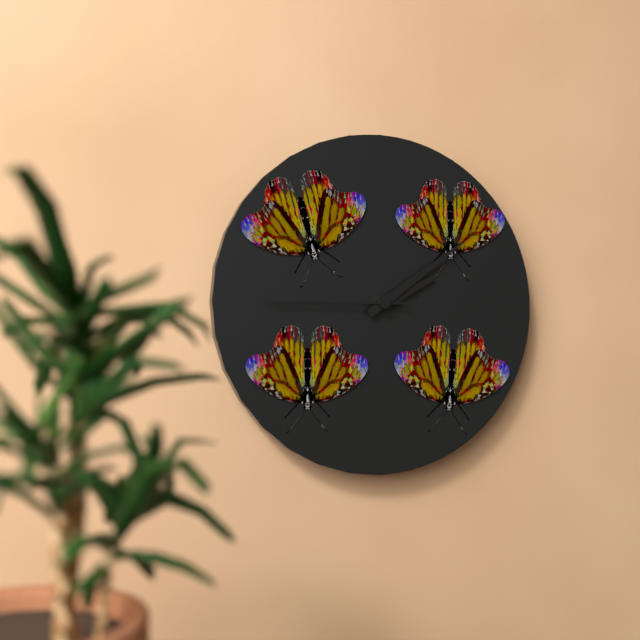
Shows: h=2 m=9 s=45
